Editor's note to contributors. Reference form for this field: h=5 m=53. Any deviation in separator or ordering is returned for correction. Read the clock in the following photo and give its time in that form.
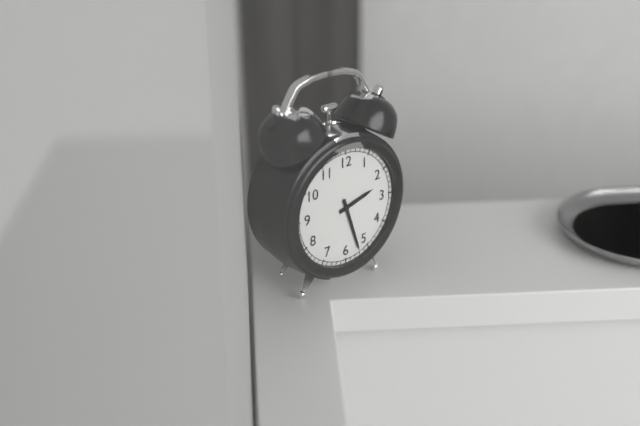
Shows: h=2 m=27
